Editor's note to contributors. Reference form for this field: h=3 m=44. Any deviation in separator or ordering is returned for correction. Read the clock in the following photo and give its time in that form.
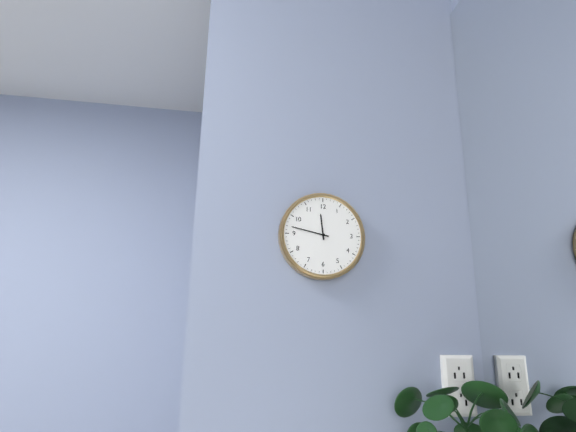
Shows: h=11 m=47
